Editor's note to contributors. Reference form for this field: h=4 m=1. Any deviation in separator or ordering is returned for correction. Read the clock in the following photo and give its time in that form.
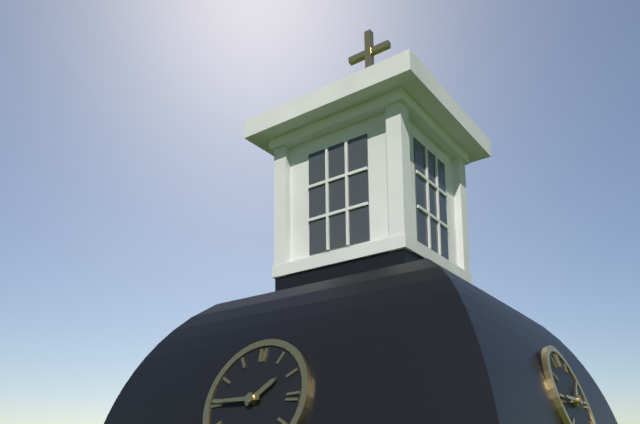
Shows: h=1 m=45
